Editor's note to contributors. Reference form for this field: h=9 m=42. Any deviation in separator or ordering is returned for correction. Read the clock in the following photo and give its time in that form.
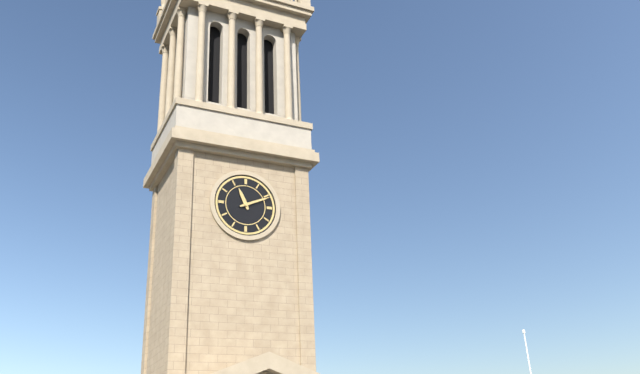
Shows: h=11 m=11
